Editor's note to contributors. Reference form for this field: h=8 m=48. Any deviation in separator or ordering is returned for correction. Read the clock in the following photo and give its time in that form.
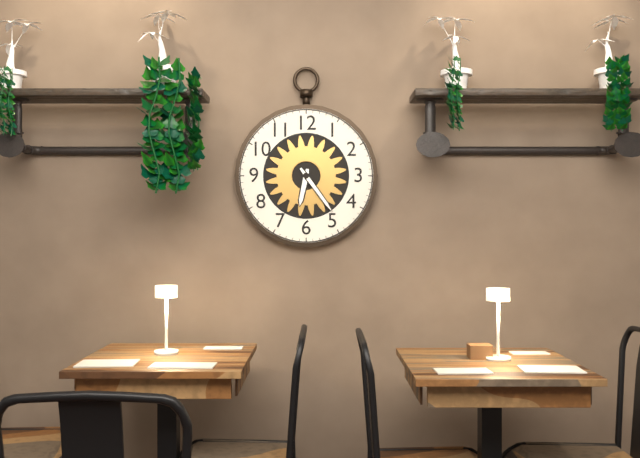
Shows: h=6 m=24
